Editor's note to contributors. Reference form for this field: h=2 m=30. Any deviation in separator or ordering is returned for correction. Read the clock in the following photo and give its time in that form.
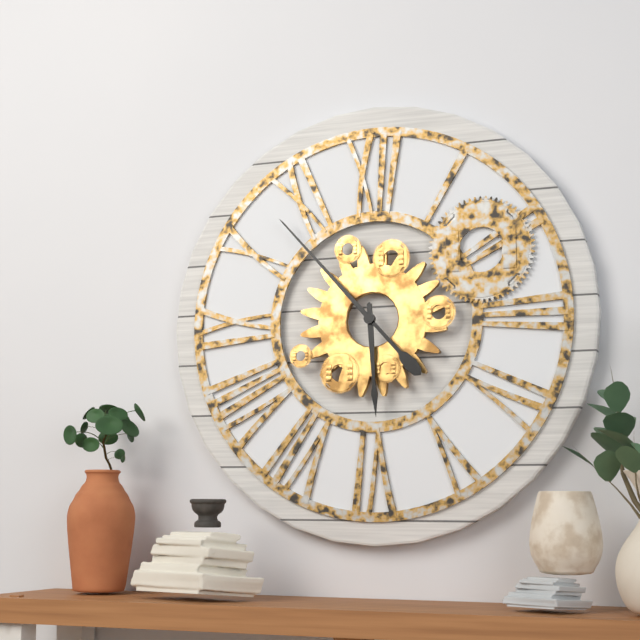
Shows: h=5 m=53
